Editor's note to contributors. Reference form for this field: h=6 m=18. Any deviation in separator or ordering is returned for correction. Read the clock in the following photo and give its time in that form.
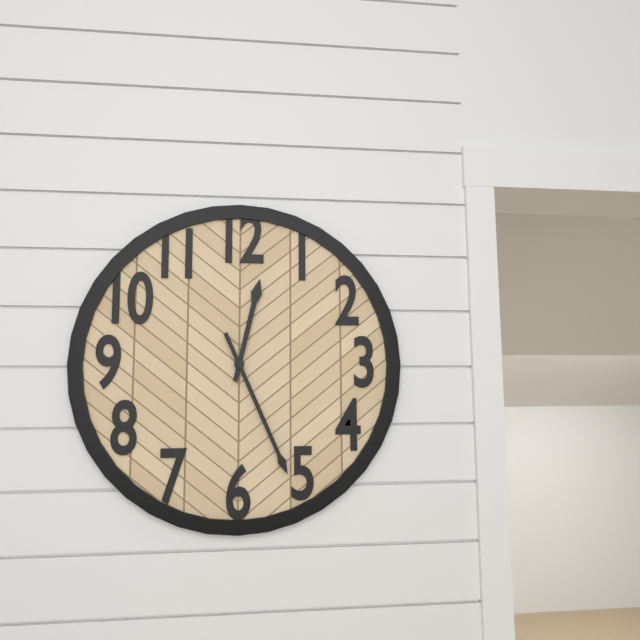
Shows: h=12 m=26
